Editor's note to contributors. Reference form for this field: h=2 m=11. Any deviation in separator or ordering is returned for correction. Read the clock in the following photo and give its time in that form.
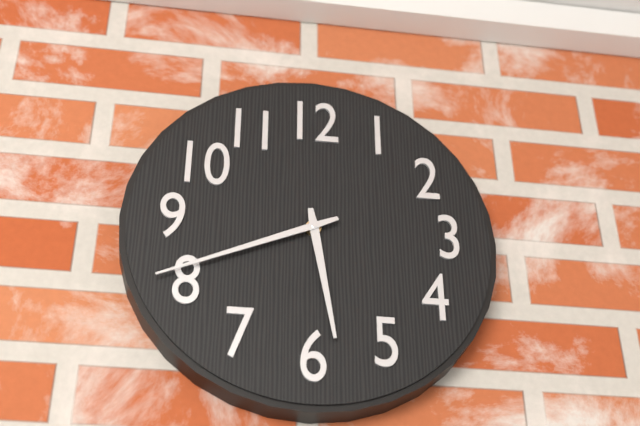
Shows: h=5 m=41
